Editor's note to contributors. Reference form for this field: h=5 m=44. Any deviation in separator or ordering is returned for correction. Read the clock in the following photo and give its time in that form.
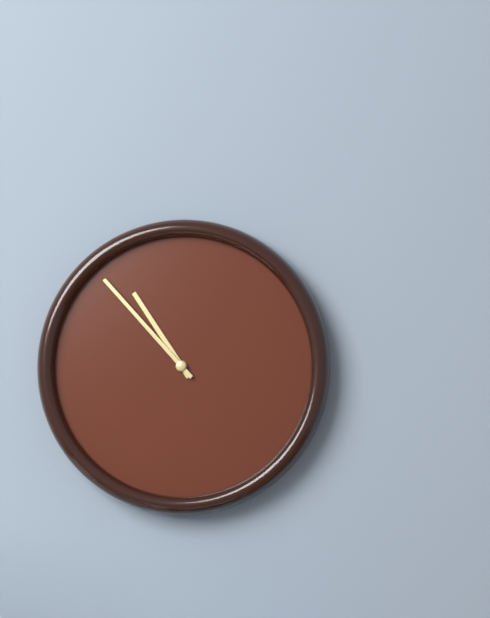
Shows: h=10 m=53
